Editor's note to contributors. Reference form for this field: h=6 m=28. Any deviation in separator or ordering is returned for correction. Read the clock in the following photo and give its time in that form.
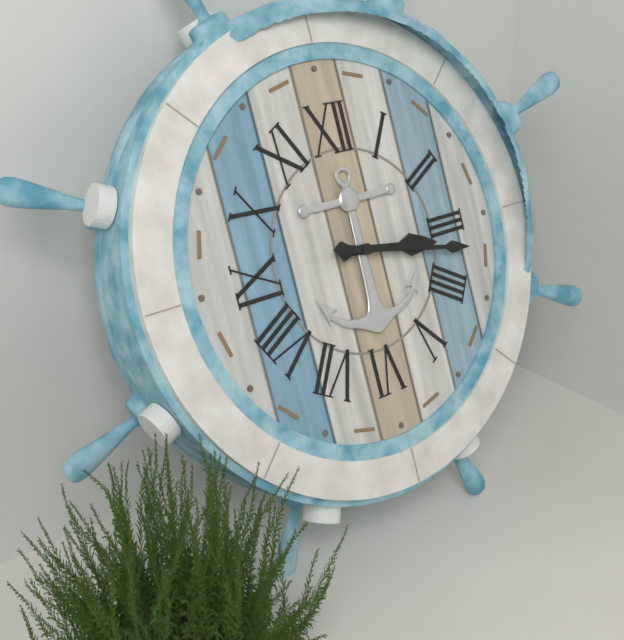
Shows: h=3 m=17
